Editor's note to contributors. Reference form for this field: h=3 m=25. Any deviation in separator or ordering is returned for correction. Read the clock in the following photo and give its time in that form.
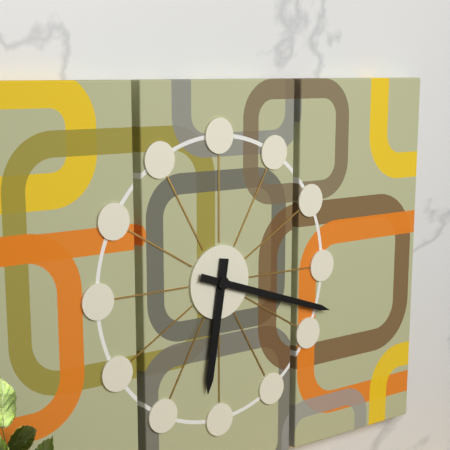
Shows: h=6 m=18
